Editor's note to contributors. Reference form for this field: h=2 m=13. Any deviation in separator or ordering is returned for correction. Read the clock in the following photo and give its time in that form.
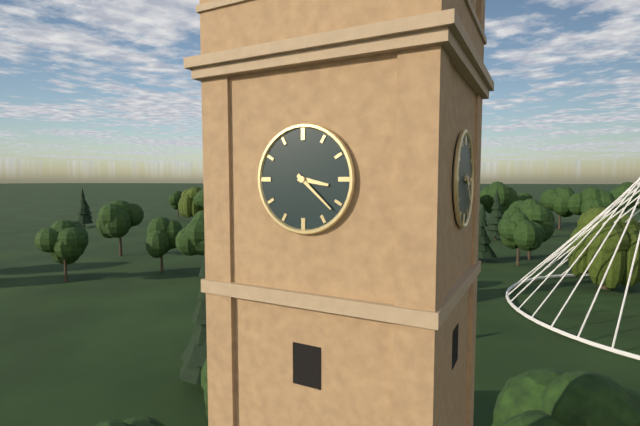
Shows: h=3 m=22
